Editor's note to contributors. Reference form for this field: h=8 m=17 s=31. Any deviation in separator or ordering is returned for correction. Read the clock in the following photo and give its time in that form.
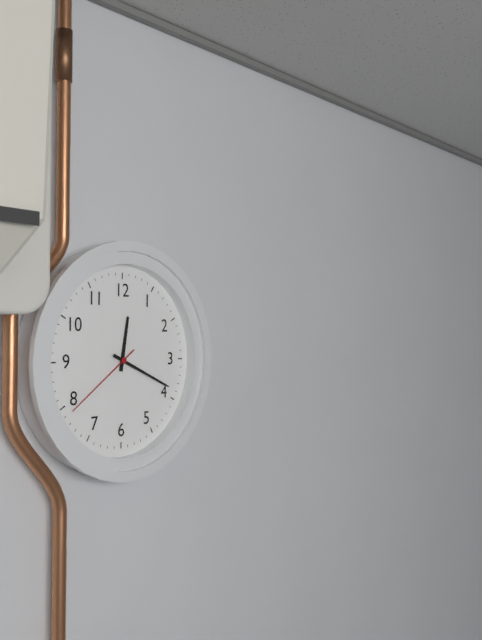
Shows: h=12 m=19 s=39
